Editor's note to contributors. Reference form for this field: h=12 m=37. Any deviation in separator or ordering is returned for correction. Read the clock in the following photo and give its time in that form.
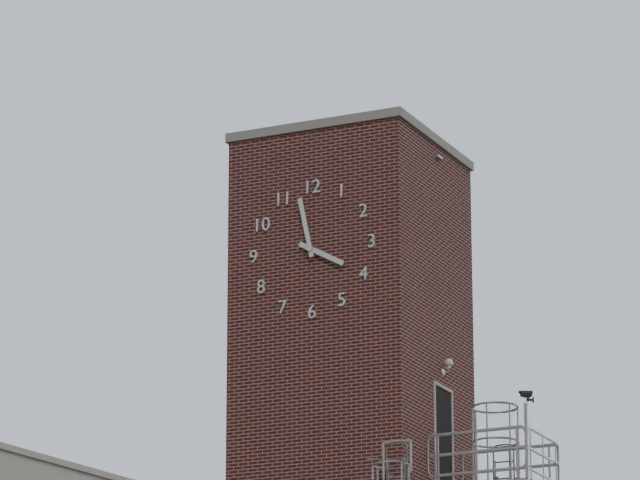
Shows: h=3 m=58
